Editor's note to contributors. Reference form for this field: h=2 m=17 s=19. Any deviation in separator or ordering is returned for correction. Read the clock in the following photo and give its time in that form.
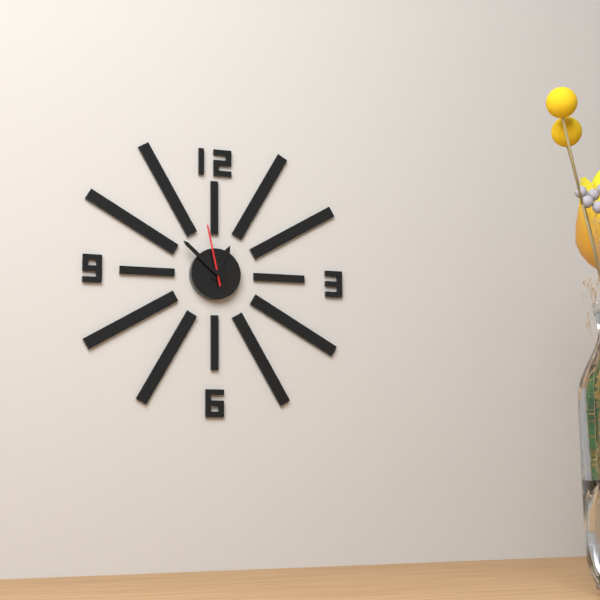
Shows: h=12 m=52 s=58
